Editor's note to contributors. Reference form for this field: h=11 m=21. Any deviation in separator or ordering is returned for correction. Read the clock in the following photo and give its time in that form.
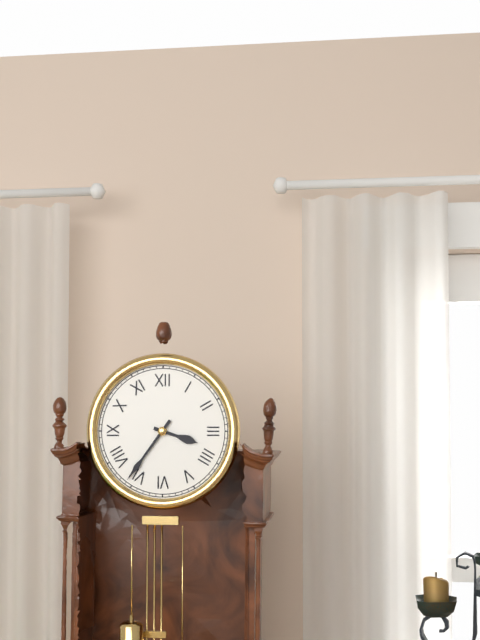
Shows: h=3 m=36
